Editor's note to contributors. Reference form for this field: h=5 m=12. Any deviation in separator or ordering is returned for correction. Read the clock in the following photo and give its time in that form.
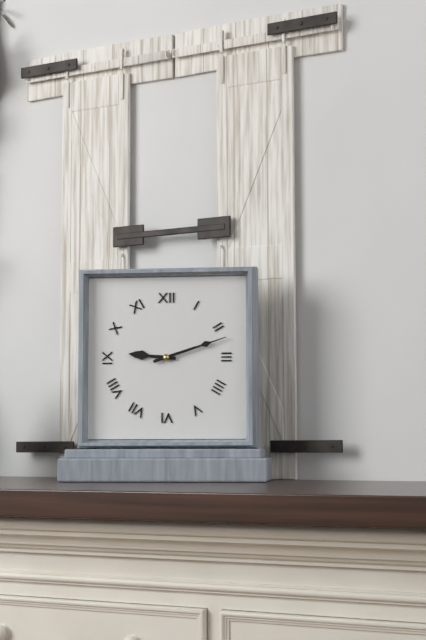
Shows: h=9 m=12
